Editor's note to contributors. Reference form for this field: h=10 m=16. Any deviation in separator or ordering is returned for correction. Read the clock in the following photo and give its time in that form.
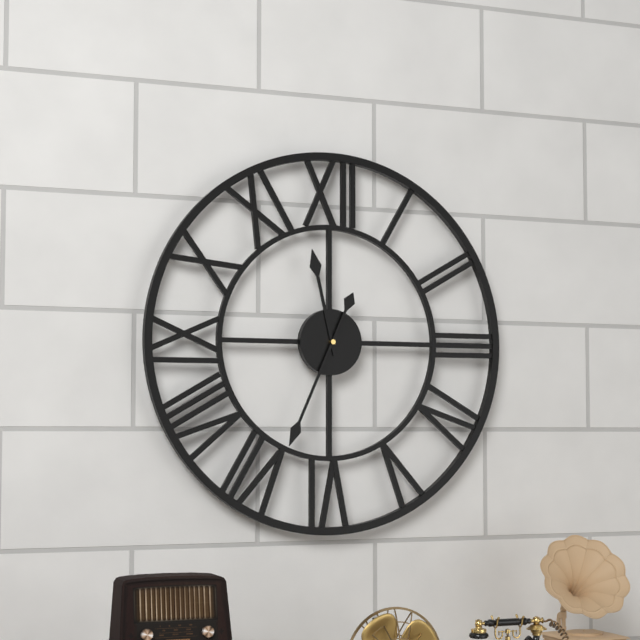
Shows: h=11 m=34
